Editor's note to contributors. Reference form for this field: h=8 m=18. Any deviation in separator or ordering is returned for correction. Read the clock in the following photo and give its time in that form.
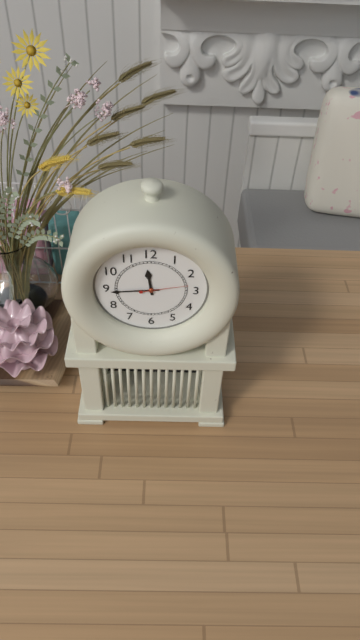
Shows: h=11 m=44
